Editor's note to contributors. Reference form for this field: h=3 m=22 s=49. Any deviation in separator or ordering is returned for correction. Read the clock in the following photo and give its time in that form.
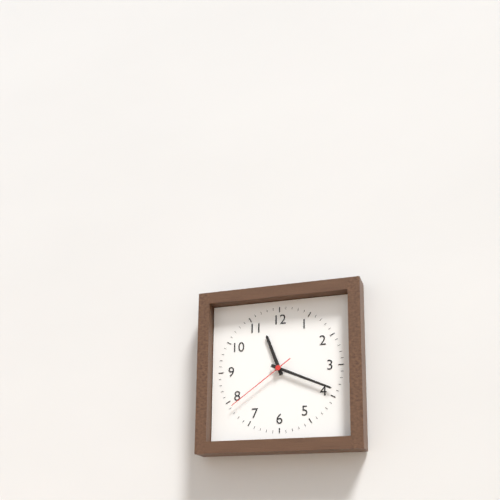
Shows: h=11 m=19 s=39
